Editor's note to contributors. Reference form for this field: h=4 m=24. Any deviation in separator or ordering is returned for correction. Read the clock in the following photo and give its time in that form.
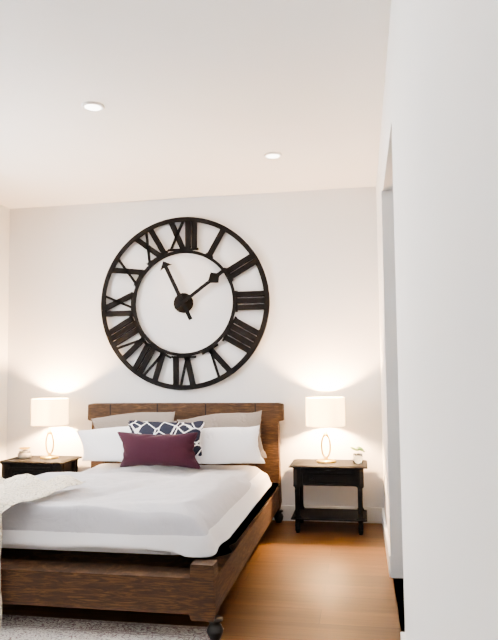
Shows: h=11 m=9
